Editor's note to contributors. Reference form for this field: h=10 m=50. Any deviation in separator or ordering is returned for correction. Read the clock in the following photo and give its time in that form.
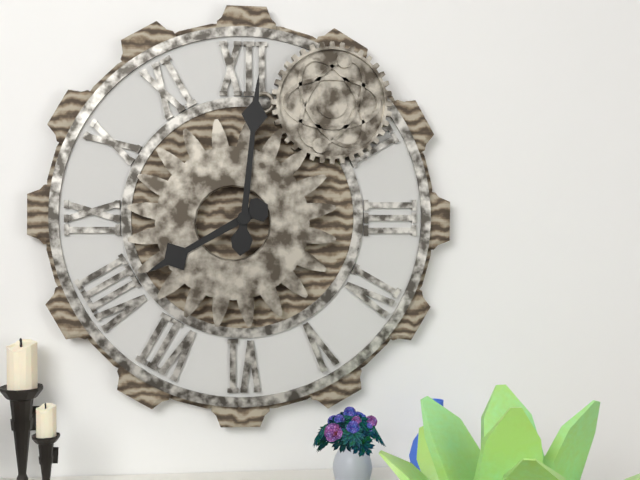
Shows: h=8 m=1
